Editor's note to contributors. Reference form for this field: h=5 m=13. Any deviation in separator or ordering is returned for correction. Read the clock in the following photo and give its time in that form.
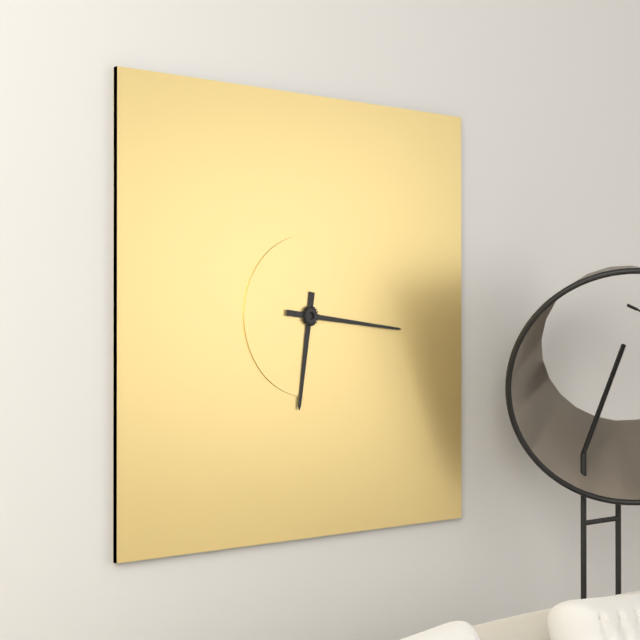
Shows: h=6 m=16
